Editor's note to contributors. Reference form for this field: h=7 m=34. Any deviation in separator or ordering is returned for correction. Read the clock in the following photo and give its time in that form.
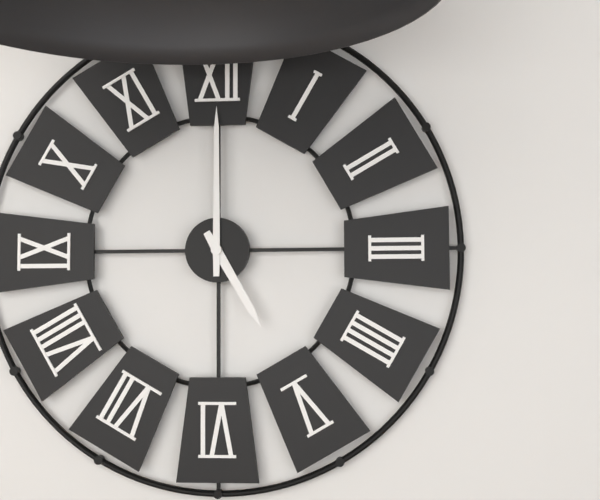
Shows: h=5 m=0
